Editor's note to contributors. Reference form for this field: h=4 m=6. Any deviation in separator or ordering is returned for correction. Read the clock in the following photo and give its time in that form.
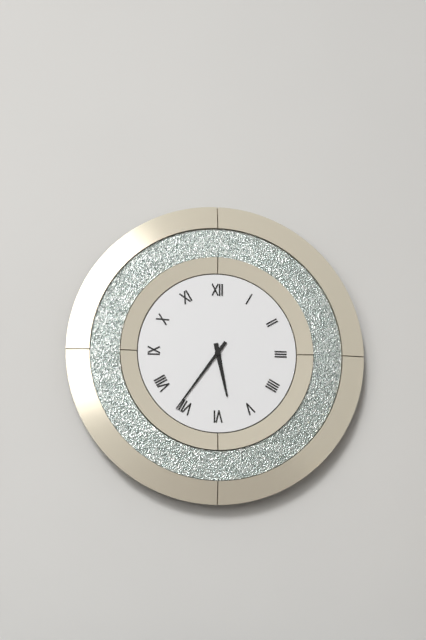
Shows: h=5 m=36
